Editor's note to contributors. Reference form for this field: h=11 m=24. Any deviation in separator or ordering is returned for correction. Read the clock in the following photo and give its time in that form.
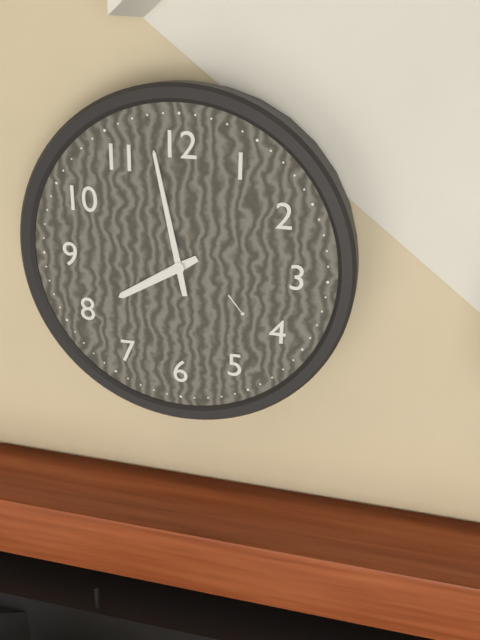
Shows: h=7 m=58
